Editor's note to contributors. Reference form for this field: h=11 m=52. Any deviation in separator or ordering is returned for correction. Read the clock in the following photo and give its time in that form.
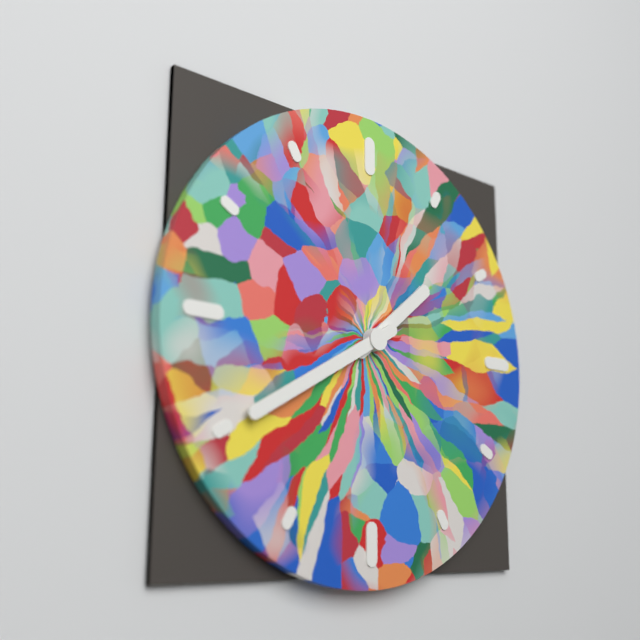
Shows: h=1 m=40
